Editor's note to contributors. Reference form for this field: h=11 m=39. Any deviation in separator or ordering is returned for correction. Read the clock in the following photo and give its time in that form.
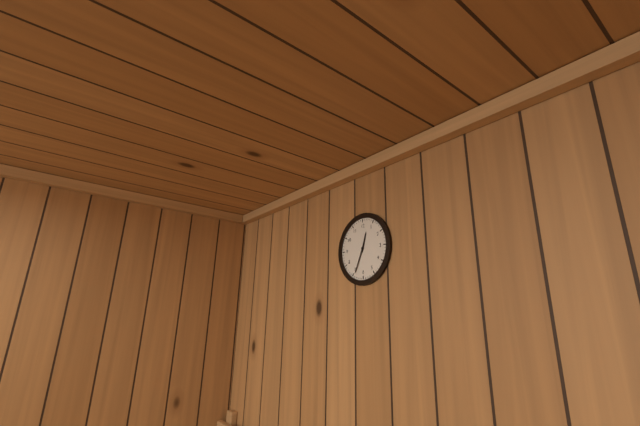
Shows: h=12 m=34
